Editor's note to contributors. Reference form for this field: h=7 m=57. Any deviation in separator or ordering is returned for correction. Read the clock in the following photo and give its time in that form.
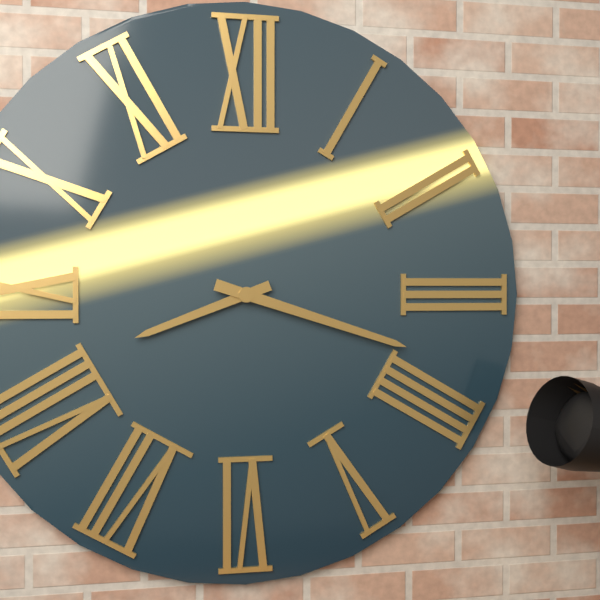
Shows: h=8 m=18
